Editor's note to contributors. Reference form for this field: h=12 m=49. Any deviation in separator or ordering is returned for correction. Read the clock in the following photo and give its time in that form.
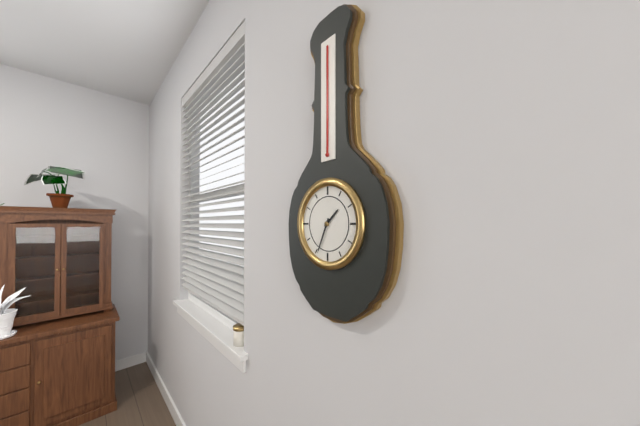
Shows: h=1 m=34
